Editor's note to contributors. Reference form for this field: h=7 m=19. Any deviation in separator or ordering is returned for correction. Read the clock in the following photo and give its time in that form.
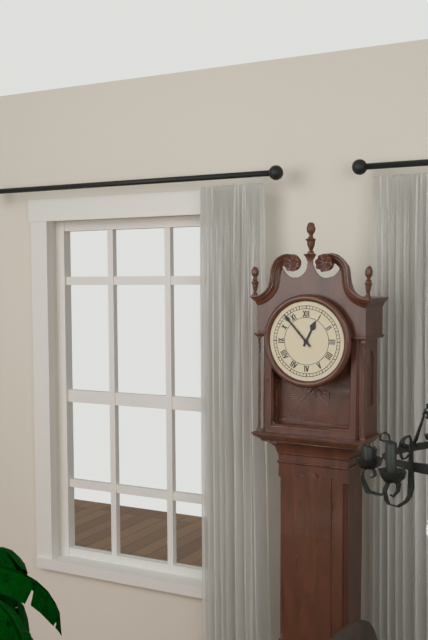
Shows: h=12 m=53
